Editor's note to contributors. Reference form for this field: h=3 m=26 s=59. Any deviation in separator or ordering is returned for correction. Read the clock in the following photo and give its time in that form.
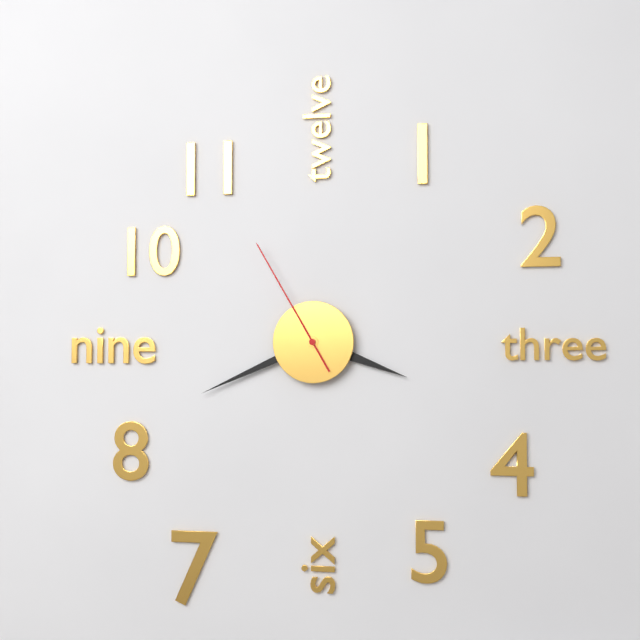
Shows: h=3 m=41 s=55
